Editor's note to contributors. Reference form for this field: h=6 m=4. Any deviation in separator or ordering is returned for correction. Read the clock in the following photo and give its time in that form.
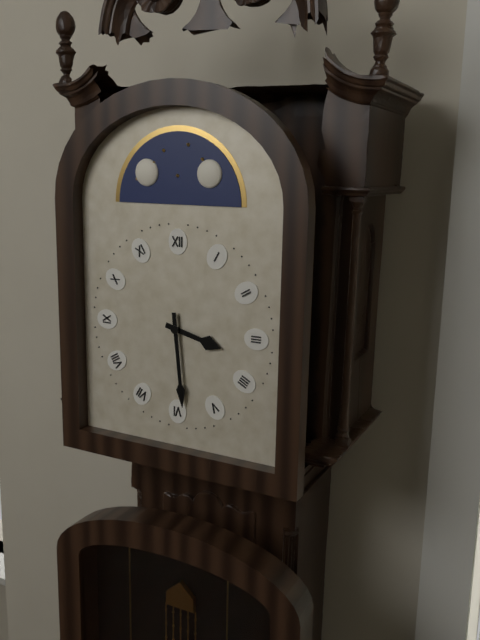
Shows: h=3 m=29
